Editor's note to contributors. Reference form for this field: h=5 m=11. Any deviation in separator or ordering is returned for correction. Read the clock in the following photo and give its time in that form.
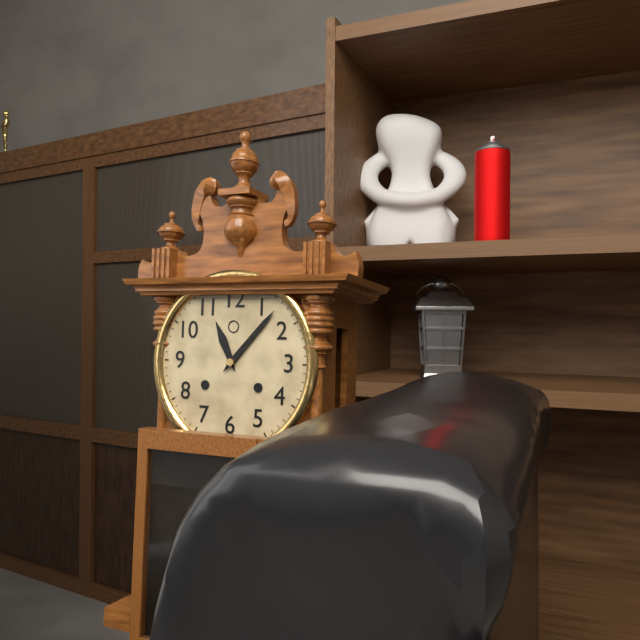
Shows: h=11 m=7
